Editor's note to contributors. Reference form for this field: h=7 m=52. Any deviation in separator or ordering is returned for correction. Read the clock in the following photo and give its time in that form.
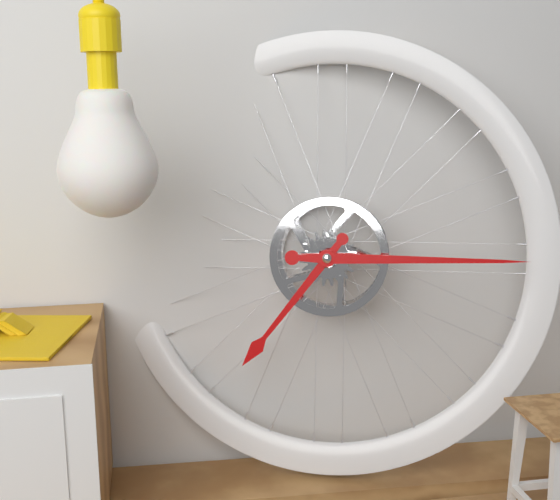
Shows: h=7 m=15
